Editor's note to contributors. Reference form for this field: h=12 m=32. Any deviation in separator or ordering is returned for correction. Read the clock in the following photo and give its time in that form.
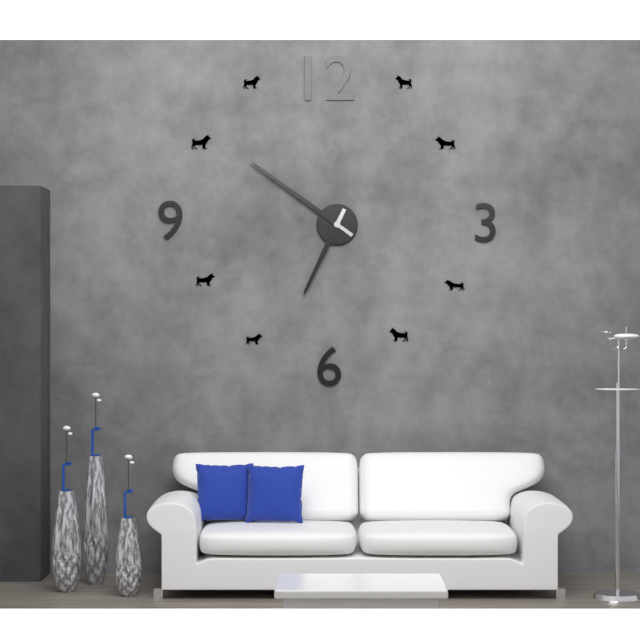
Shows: h=6 m=51
